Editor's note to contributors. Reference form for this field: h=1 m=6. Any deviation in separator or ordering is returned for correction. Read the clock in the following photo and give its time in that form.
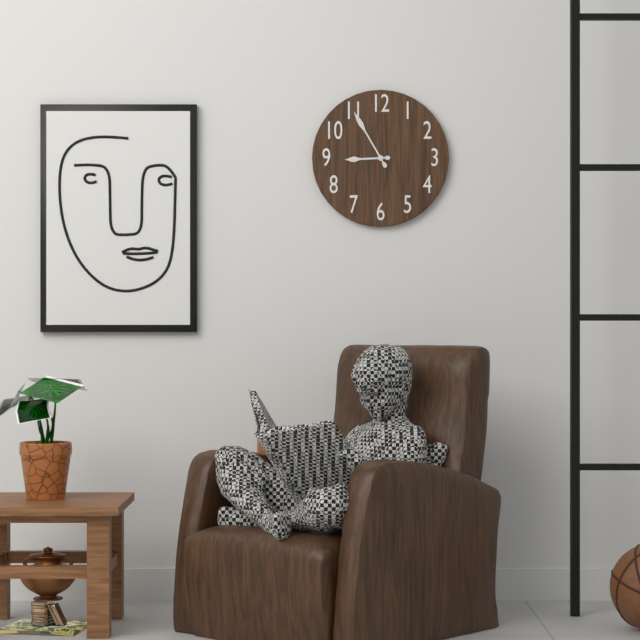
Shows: h=8 m=55
